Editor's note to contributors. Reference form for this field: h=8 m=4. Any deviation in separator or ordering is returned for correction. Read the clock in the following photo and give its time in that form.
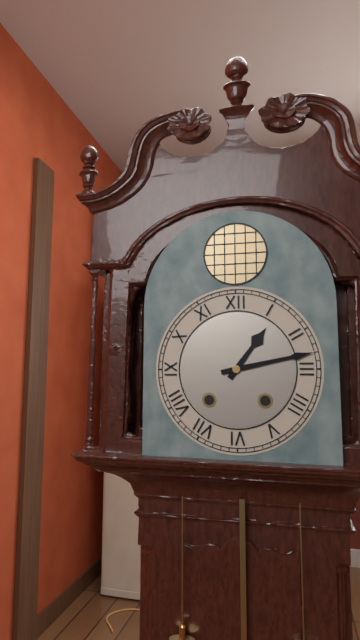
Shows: h=1 m=13
